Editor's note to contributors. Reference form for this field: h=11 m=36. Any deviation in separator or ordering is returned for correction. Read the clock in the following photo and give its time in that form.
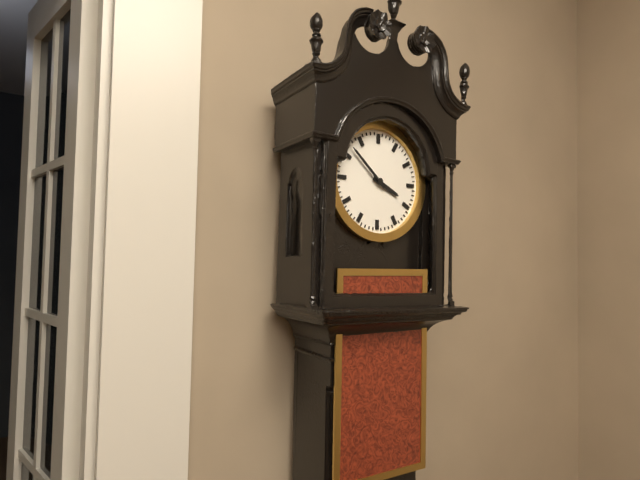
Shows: h=3 m=52
